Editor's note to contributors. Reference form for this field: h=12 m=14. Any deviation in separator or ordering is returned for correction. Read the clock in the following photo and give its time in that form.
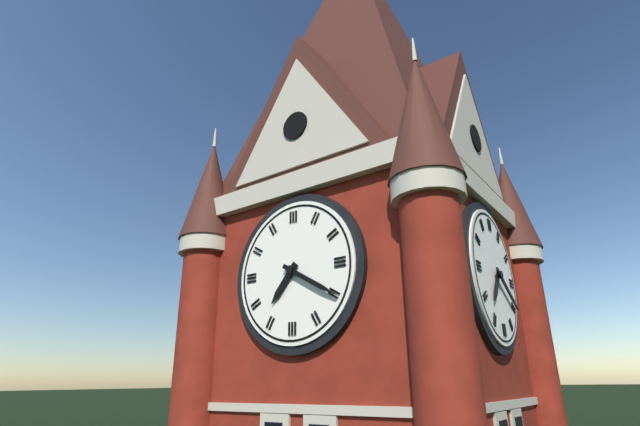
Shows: h=7 m=20
